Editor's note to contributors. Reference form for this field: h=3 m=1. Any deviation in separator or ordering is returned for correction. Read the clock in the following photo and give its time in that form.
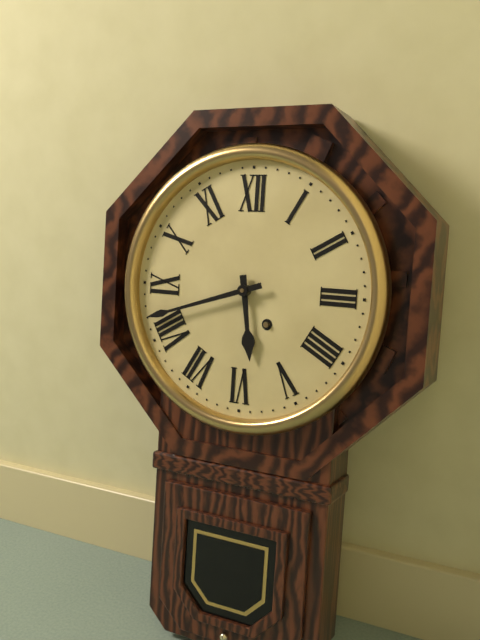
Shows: h=5 m=42
